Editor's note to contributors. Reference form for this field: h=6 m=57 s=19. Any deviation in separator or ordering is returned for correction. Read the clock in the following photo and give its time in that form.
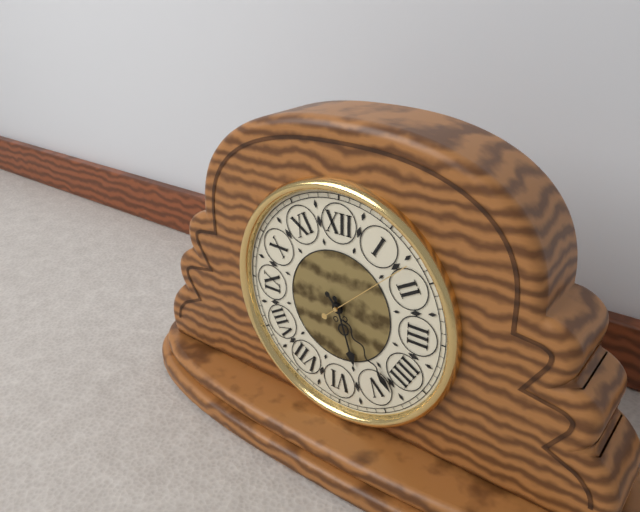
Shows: h=5 m=23 s=8
